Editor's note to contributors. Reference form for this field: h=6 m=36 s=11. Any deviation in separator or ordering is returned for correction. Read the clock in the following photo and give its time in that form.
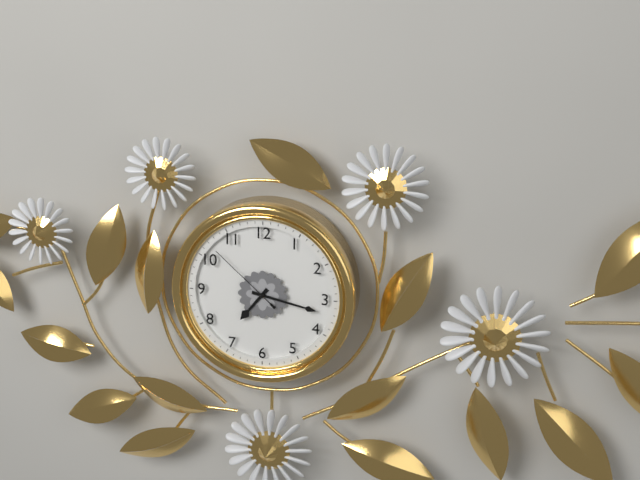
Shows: h=7 m=17 s=52
